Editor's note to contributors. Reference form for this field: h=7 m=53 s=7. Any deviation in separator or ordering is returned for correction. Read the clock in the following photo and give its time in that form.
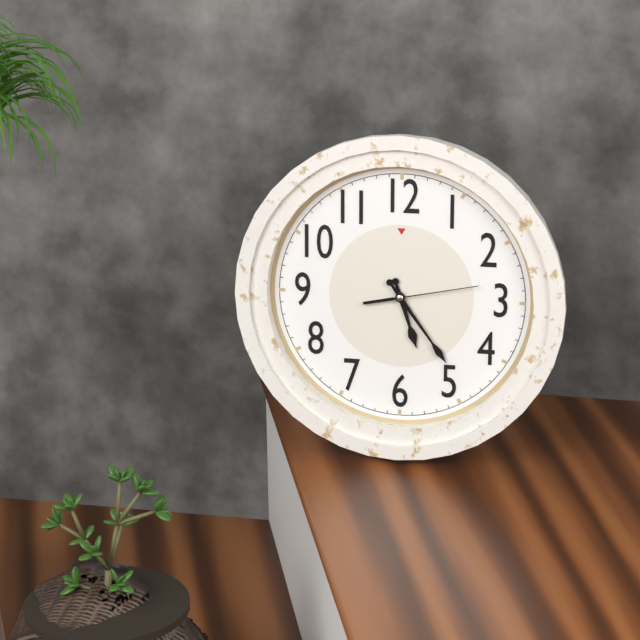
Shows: h=5 m=24 s=13
